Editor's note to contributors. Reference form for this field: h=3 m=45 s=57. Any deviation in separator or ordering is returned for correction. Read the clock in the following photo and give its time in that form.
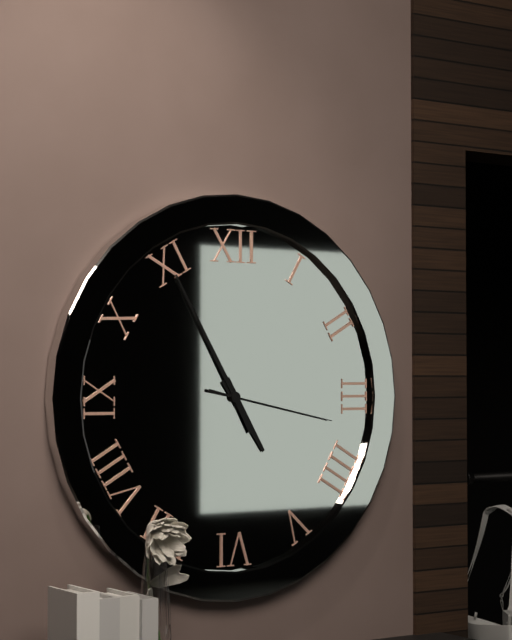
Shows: h=4 m=55 s=17
